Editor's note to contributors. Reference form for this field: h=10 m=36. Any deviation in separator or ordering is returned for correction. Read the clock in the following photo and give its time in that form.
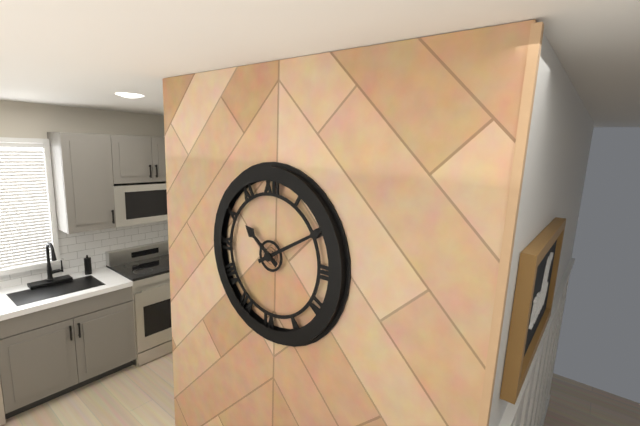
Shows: h=10 m=10
